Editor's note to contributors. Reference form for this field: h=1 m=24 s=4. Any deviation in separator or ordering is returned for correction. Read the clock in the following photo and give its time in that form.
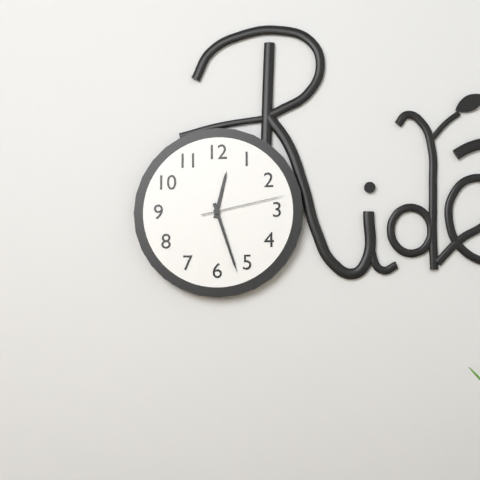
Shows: h=12 m=27 s=13
